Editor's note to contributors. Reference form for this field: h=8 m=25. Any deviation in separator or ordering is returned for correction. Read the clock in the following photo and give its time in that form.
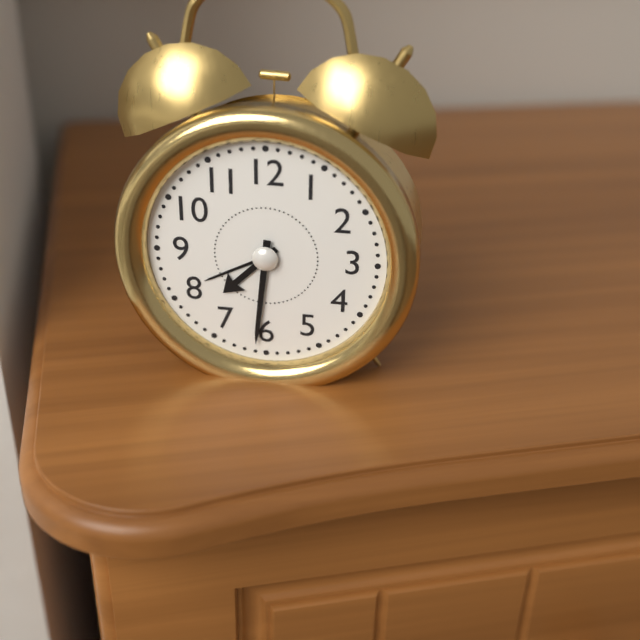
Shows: h=7 m=31
